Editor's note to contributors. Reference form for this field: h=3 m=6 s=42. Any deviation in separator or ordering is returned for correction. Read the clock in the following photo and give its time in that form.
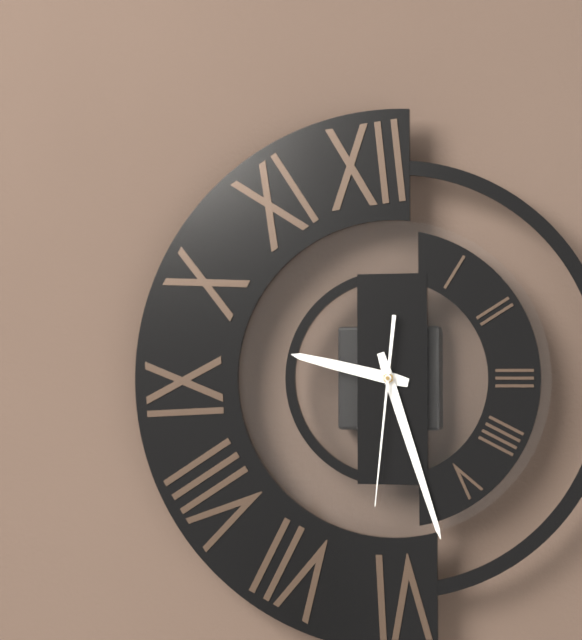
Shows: h=9 m=27 s=31
